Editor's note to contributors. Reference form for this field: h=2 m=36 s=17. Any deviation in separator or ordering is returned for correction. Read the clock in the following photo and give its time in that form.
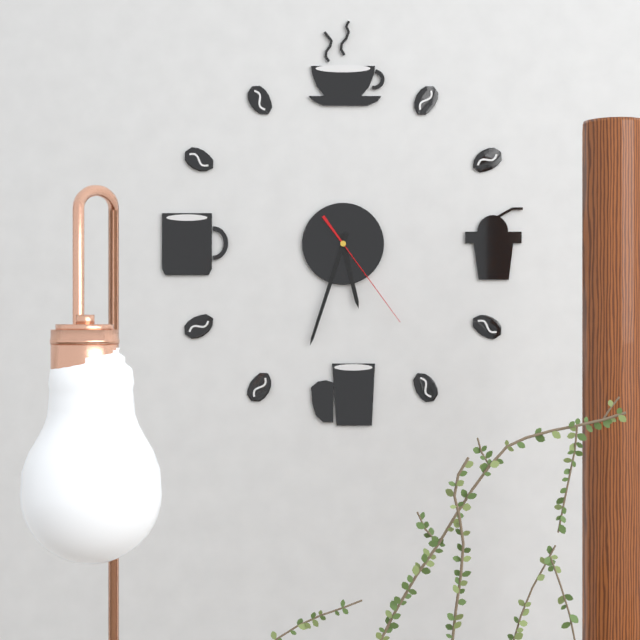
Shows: h=5 m=33 s=24
